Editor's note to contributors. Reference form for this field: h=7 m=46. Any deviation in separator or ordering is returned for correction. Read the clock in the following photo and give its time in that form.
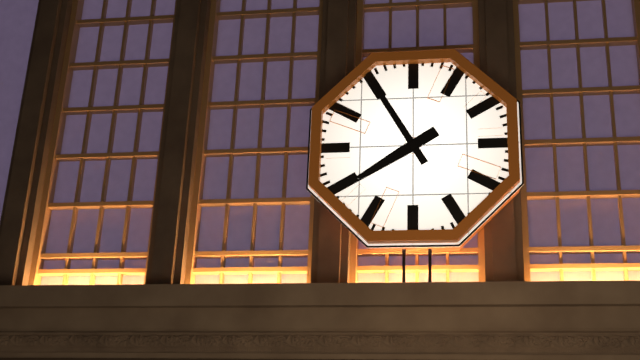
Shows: h=7 m=55
